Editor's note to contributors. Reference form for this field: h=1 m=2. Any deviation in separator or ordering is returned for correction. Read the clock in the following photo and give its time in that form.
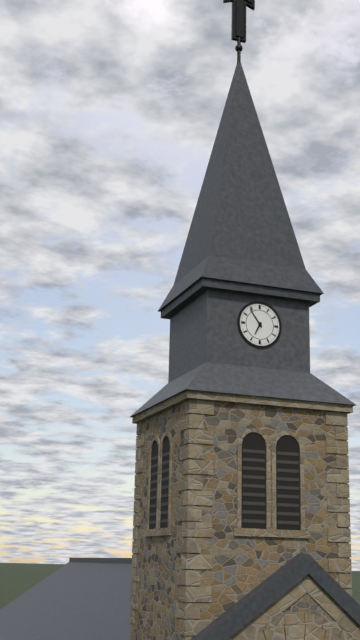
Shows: h=6 m=54
